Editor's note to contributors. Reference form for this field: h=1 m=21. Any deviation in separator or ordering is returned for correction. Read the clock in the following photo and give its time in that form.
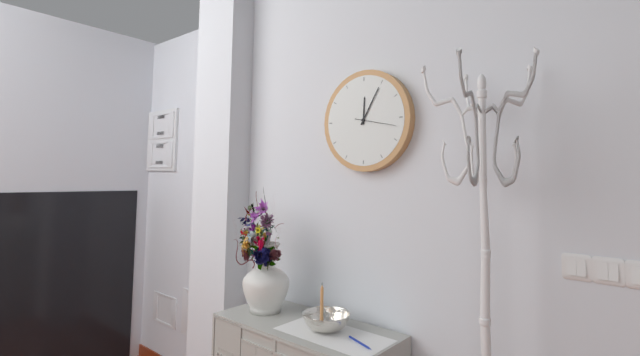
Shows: h=12 m=5
